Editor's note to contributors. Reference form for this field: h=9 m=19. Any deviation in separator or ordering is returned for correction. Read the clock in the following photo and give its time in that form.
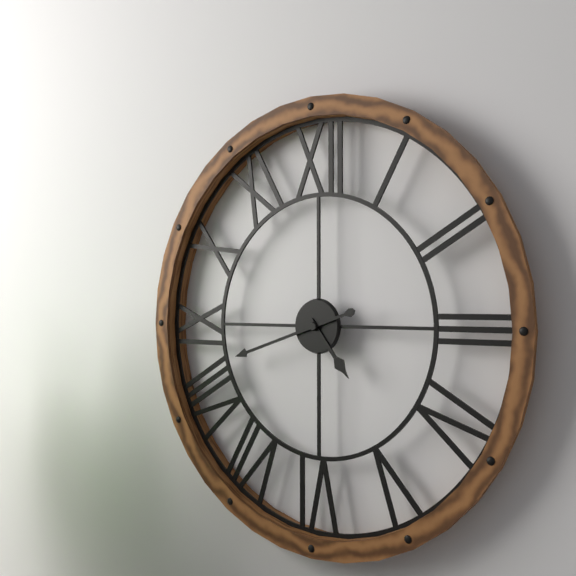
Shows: h=4 m=42
